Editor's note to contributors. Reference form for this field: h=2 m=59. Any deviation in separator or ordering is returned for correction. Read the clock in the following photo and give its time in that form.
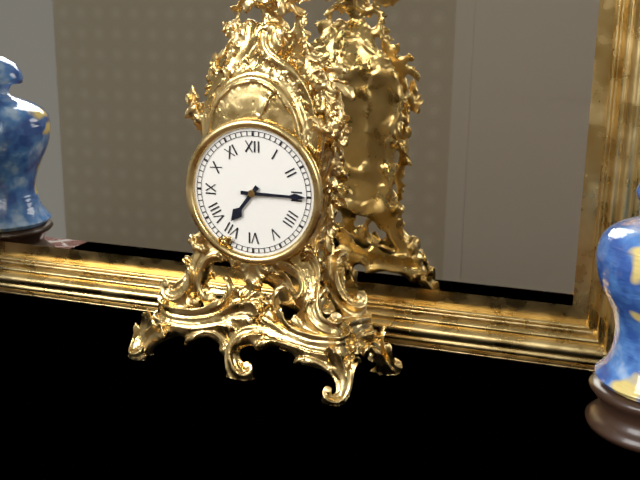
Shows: h=7 m=15
